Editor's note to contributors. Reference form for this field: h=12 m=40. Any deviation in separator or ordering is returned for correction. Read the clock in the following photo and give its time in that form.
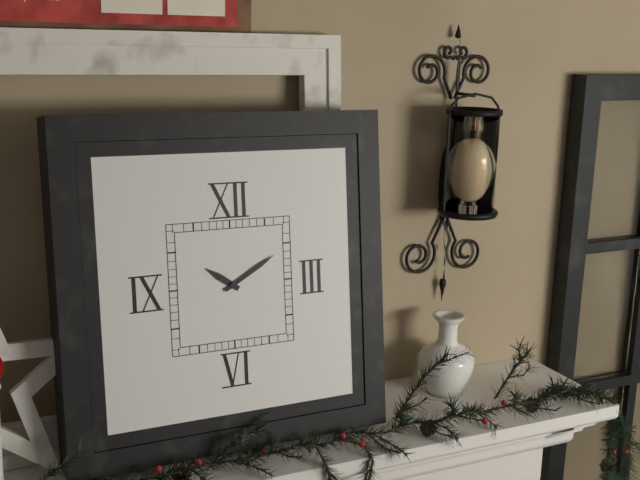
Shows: h=10 m=10
